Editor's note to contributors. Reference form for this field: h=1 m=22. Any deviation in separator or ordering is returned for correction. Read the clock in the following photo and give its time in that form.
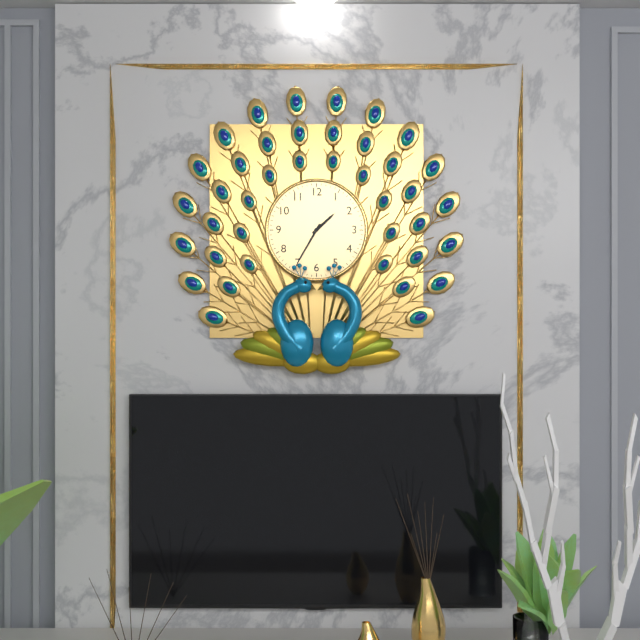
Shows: h=1 m=35
